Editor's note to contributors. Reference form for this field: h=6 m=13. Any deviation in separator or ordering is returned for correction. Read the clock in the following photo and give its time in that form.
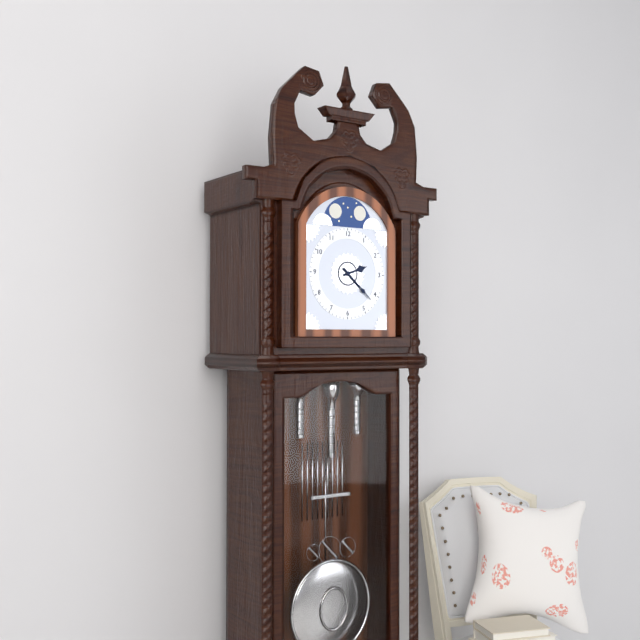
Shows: h=2 m=22
